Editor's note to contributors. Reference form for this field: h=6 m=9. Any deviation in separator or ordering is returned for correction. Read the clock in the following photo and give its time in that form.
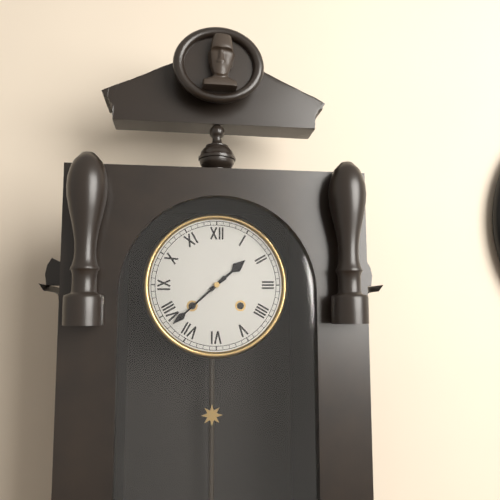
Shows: h=1 m=38
